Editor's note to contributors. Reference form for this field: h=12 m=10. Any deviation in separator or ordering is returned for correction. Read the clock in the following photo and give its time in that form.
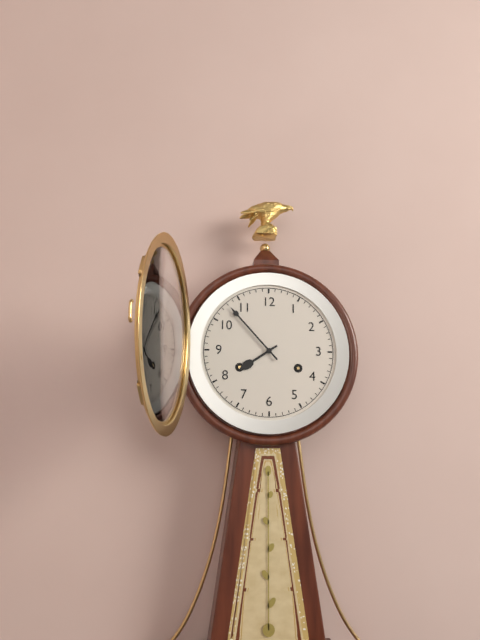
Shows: h=7 m=53
